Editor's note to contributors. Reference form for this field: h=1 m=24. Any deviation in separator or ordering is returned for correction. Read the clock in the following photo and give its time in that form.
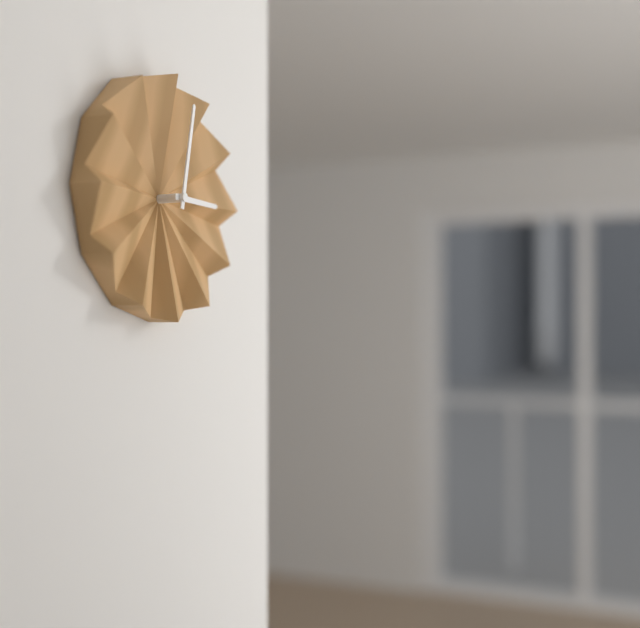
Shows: h=3 m=2
